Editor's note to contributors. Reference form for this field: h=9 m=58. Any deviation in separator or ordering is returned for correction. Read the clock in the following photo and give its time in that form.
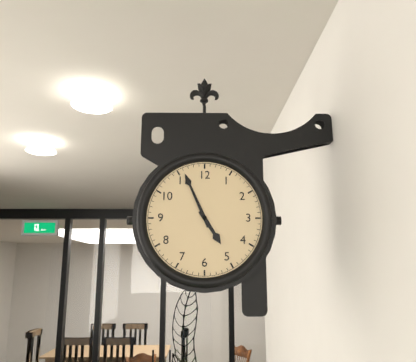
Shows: h=4 m=56
